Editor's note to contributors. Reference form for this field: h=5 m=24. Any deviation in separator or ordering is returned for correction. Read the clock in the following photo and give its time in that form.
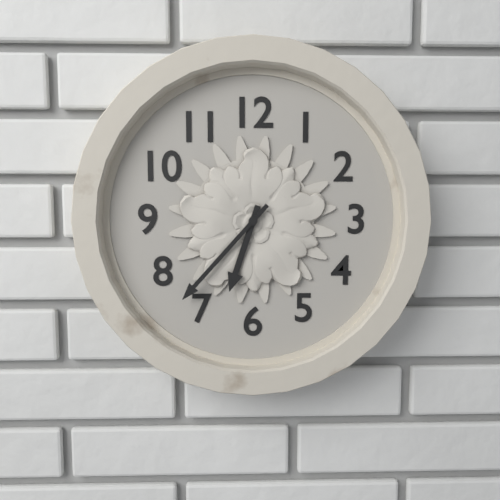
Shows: h=6 m=37
